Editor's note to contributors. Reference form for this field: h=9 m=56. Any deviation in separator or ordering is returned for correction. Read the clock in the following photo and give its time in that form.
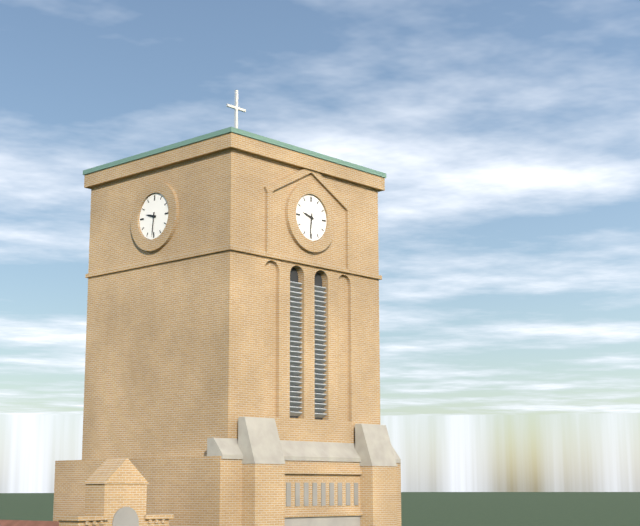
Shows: h=9 m=31
